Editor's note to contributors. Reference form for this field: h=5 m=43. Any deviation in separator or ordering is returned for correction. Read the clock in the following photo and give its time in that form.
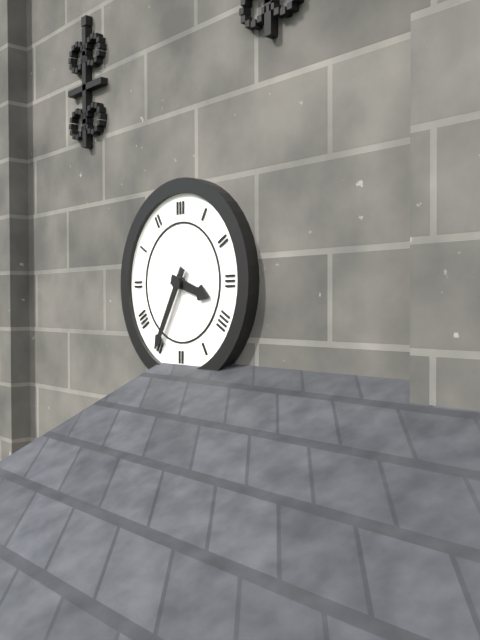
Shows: h=3 m=35
